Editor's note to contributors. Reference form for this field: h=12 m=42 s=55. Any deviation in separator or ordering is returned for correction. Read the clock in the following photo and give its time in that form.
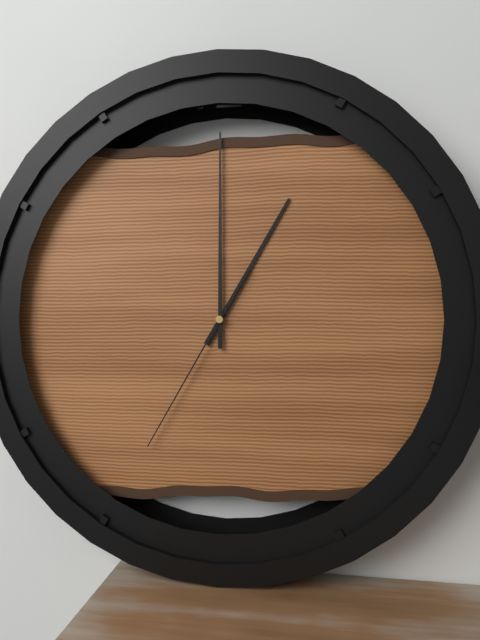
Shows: h=1 m=0 s=35
